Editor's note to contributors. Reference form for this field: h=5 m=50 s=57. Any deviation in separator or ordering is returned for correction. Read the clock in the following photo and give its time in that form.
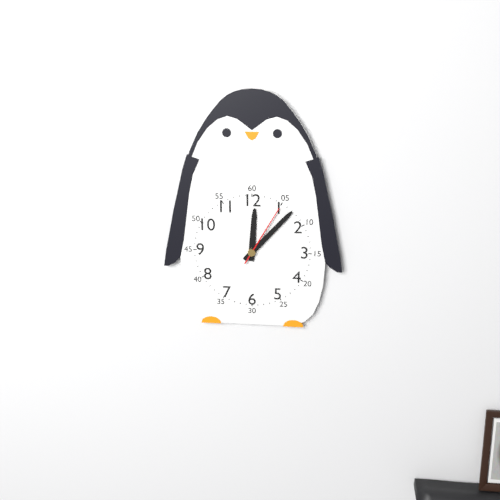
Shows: h=12 m=7 s=5
